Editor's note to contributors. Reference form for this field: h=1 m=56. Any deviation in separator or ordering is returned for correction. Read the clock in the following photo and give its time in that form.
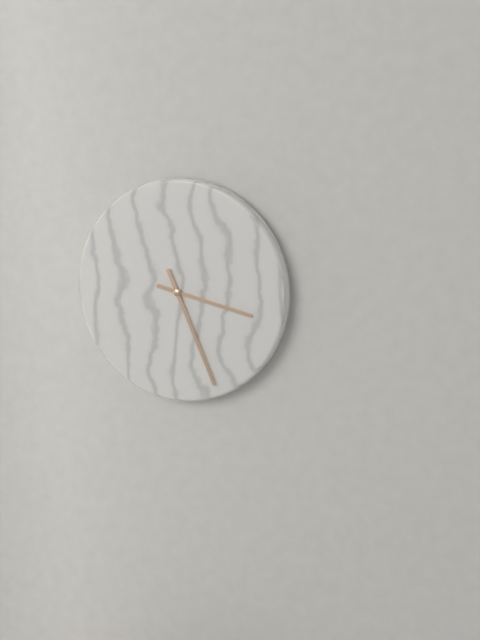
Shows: h=3 m=26
